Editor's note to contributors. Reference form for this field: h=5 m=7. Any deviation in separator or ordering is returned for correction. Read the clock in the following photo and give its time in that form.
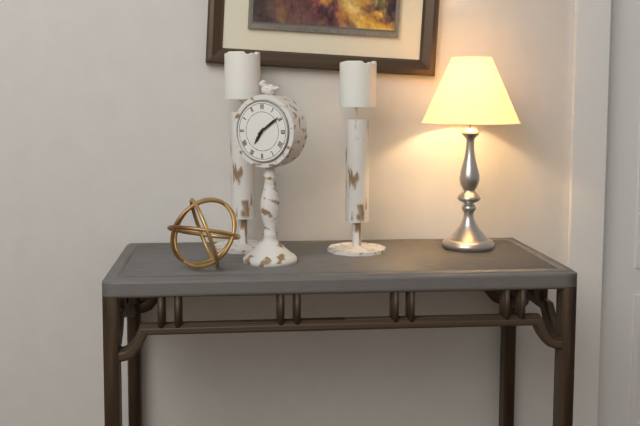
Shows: h=7 m=9
